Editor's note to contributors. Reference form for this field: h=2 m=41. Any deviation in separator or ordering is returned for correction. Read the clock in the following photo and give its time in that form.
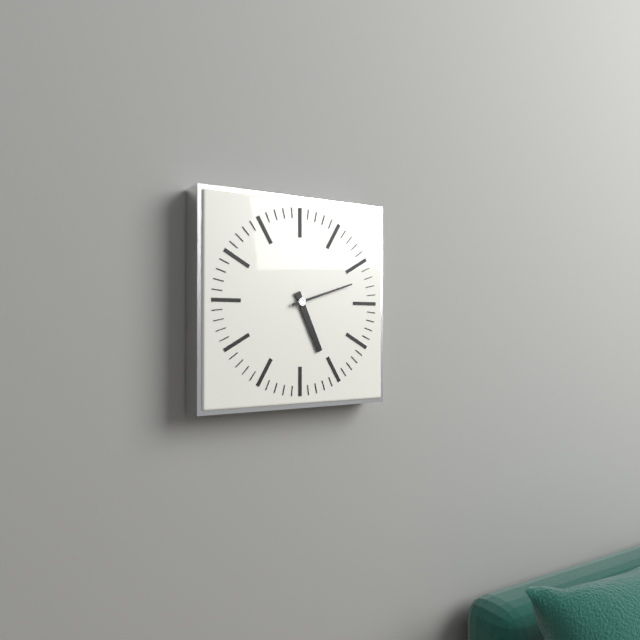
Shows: h=5 m=12
